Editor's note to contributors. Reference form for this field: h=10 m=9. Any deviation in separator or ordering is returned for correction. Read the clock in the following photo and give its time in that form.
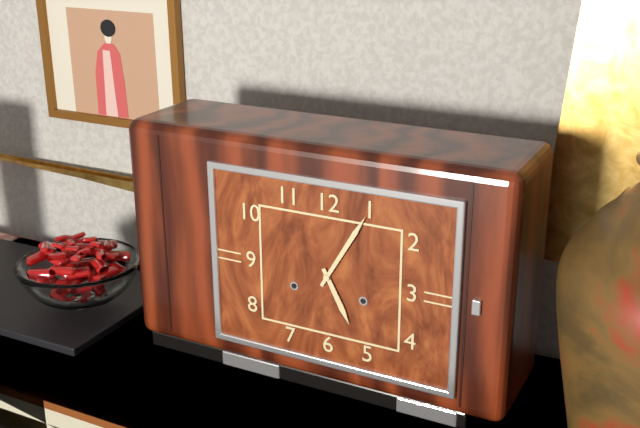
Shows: h=5 m=5
